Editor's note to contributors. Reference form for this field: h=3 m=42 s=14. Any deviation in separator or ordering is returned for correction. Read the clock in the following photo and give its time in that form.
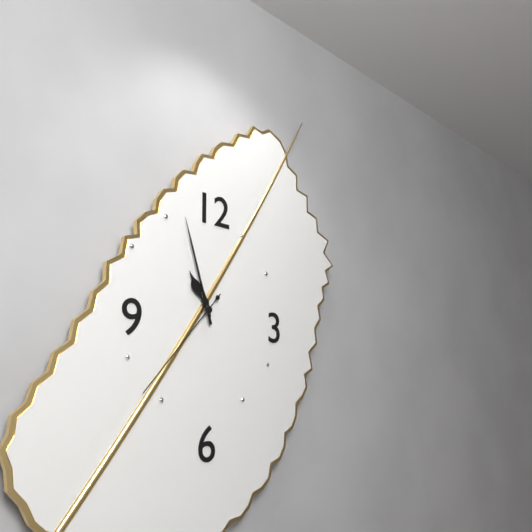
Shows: h=10 m=57 s=37
